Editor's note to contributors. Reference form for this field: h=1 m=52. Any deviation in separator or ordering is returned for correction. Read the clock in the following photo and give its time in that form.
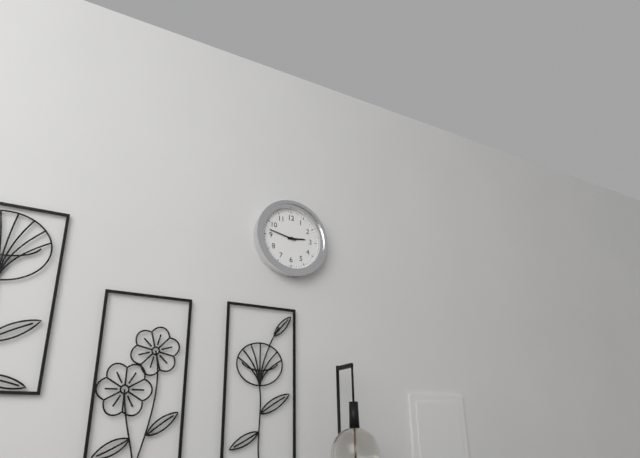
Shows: h=2 m=47
